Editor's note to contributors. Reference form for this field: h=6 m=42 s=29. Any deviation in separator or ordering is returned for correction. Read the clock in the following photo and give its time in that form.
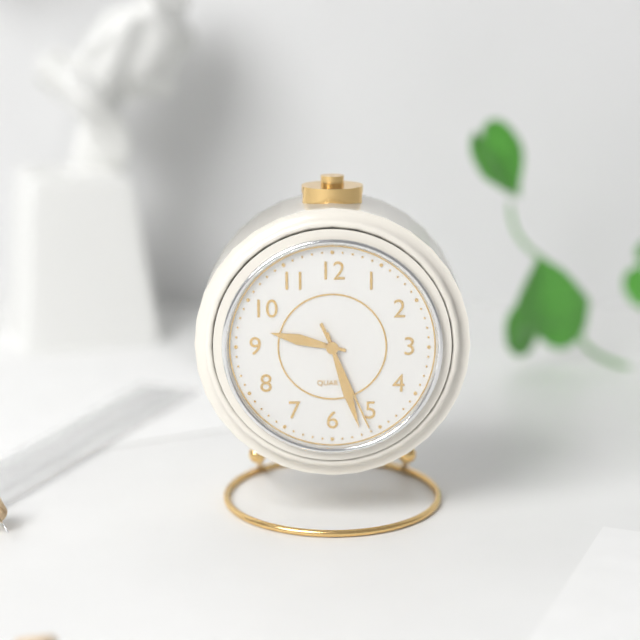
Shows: h=9 m=27 s=26
